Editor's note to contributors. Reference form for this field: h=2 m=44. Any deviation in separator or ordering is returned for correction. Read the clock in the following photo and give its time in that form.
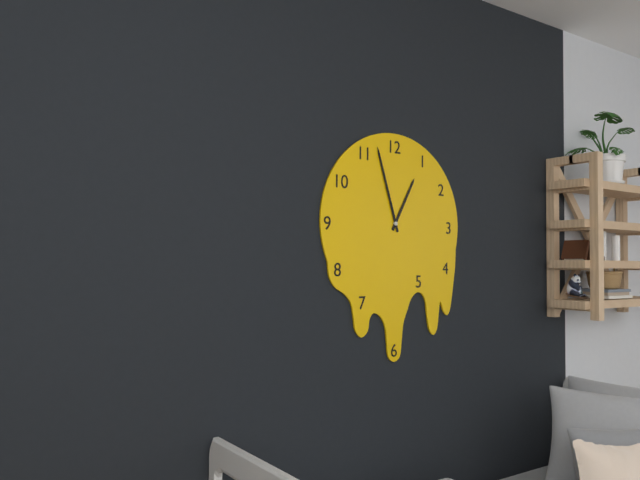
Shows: h=12 m=57
